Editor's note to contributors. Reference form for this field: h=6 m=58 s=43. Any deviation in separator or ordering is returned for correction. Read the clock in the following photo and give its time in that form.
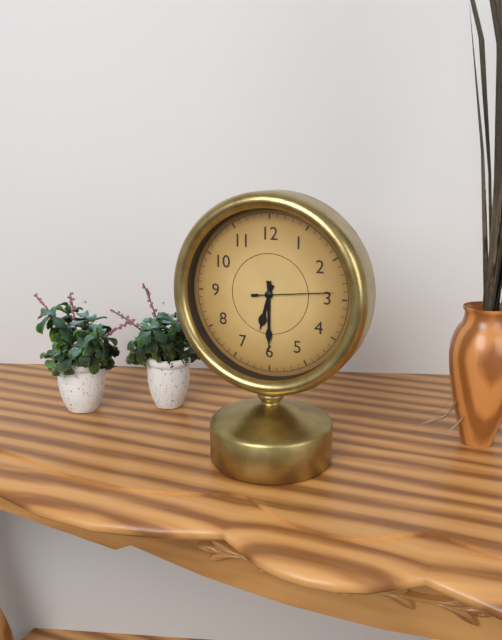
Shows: h=6 m=30 s=14
